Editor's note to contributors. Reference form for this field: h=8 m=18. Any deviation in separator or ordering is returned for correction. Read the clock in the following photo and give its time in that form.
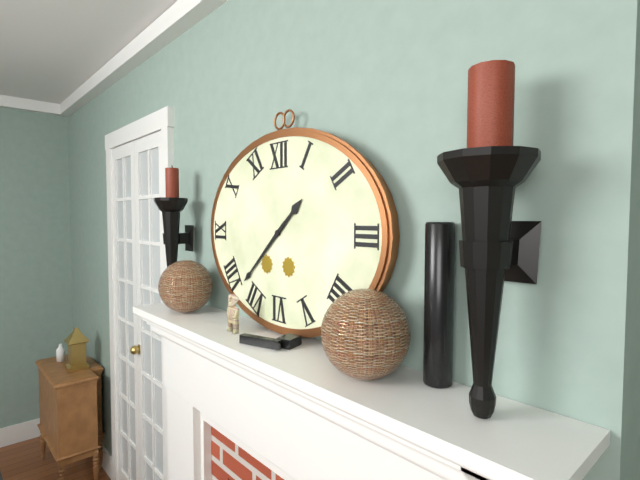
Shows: h=1 m=38
